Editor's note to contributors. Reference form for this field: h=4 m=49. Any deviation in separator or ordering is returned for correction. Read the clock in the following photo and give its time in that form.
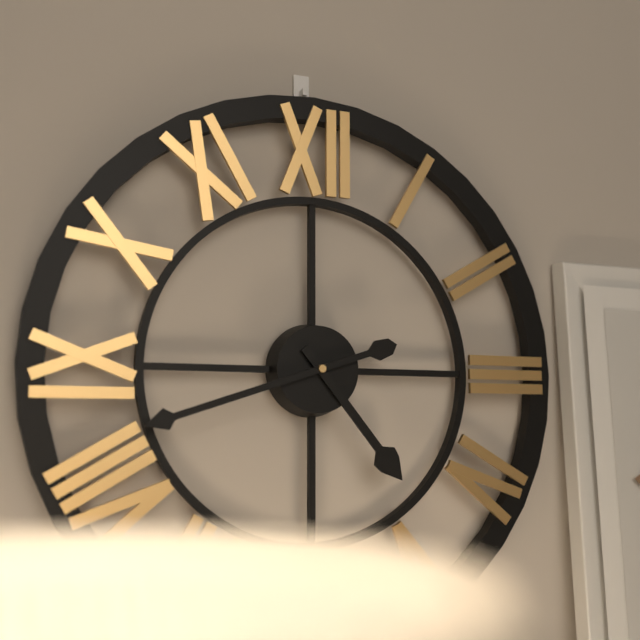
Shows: h=4 m=42
